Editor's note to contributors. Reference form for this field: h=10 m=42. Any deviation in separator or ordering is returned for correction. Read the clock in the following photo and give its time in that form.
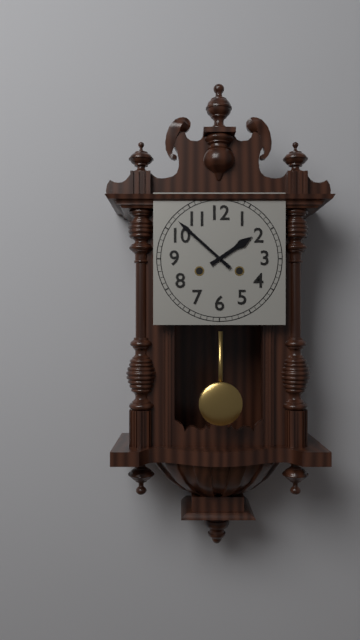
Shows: h=1 m=52
